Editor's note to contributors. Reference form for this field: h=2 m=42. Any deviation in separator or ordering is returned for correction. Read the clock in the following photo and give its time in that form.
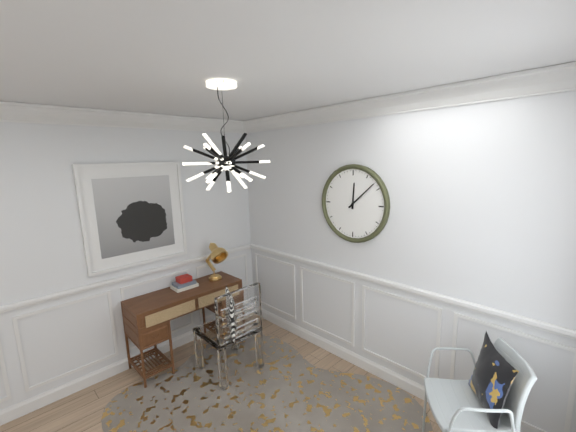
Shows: h=12 m=8
